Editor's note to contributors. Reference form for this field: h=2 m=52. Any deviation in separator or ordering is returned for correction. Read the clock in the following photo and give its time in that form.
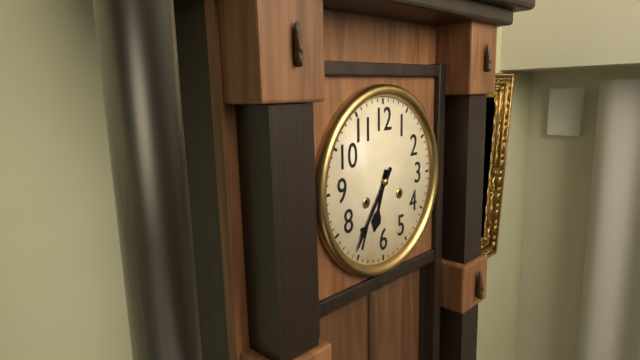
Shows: h=6 m=36
